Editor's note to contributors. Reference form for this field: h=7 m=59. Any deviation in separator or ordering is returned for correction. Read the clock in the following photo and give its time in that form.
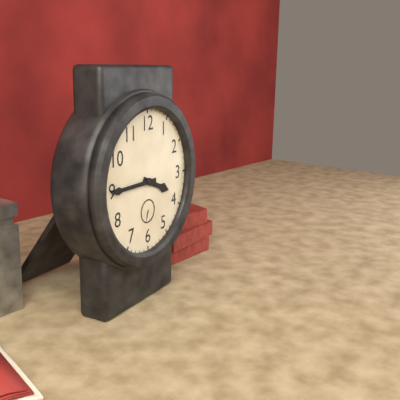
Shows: h=3 m=45
